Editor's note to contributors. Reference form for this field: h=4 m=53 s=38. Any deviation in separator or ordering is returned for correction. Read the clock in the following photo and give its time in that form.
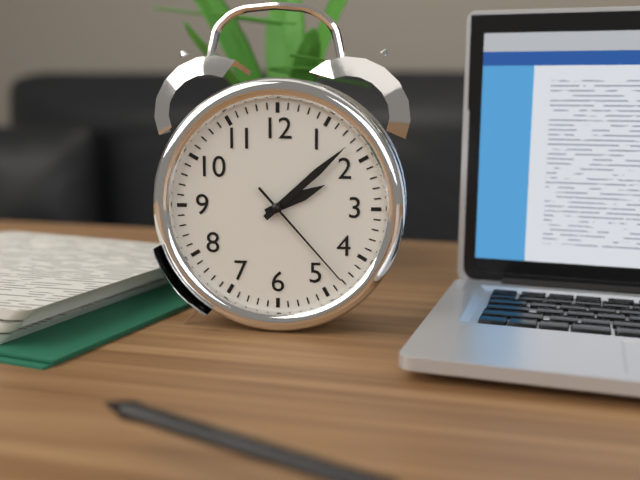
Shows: h=2 m=8 s=23
